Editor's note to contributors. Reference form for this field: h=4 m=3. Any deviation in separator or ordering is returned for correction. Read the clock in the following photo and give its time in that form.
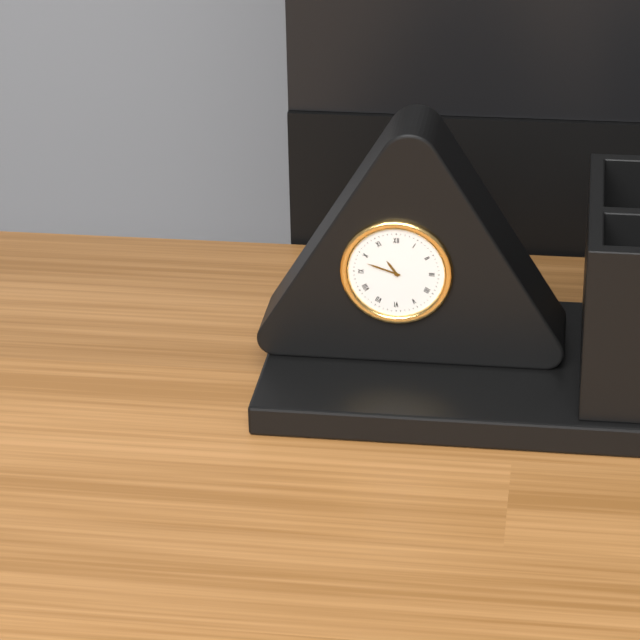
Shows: h=10 m=48
